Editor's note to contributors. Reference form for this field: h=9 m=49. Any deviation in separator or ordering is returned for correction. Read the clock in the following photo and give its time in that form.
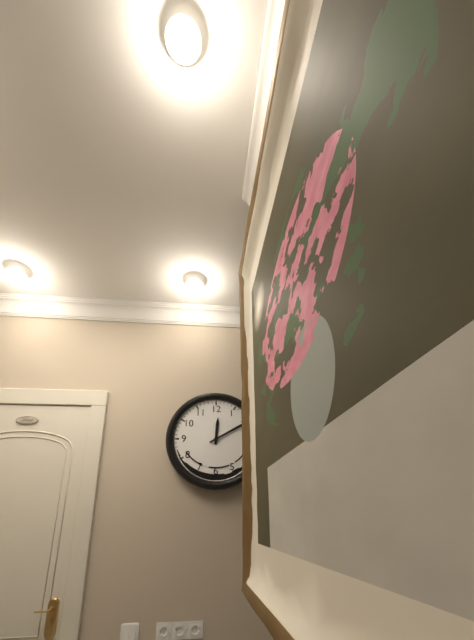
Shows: h=12 m=10
